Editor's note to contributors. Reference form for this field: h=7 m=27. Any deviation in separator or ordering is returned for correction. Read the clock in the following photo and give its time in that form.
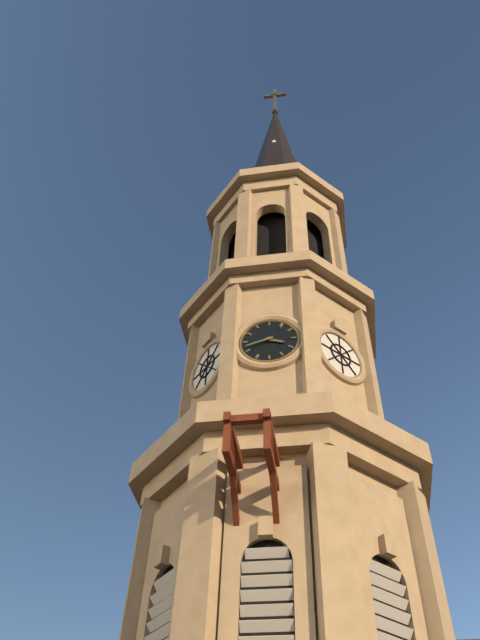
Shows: h=3 m=42
